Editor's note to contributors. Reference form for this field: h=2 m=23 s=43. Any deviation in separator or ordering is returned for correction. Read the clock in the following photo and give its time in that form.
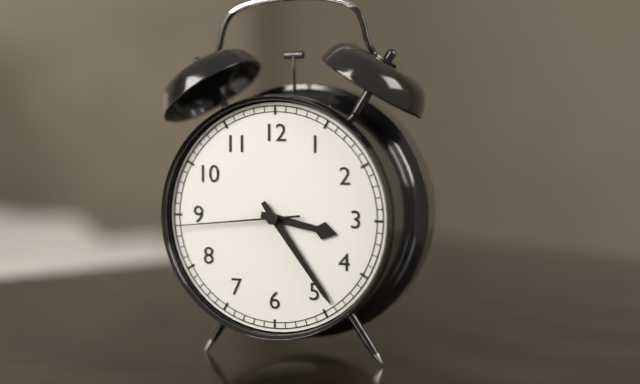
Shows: h=3 m=24 s=44
